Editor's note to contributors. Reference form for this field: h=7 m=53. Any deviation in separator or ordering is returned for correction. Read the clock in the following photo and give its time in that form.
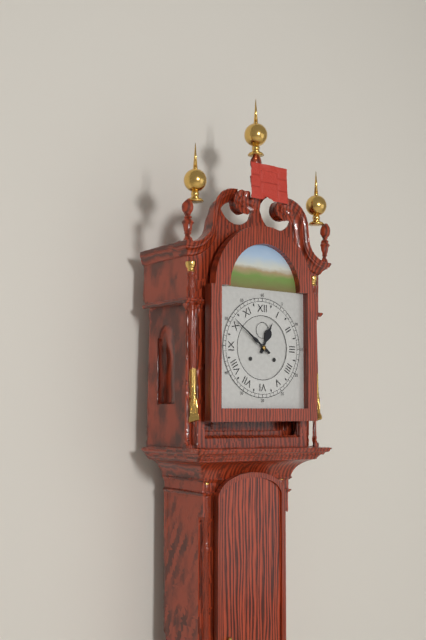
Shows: h=12 m=51
